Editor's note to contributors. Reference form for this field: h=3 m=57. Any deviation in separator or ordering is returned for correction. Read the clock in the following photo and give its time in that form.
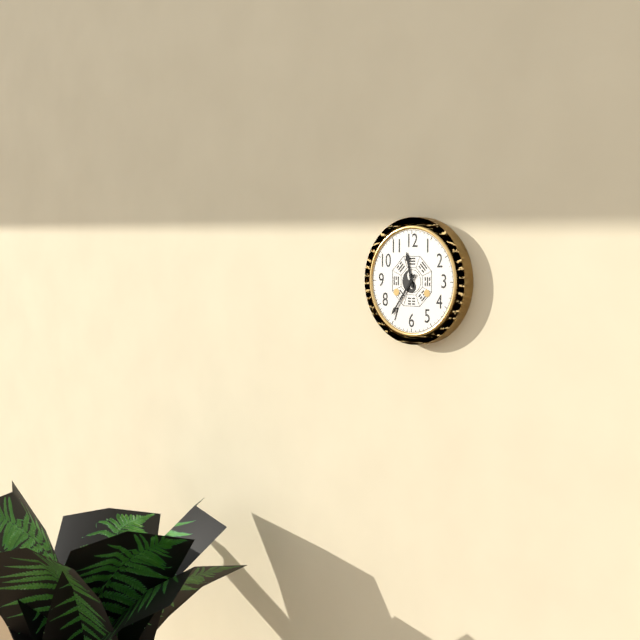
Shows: h=11 m=36
